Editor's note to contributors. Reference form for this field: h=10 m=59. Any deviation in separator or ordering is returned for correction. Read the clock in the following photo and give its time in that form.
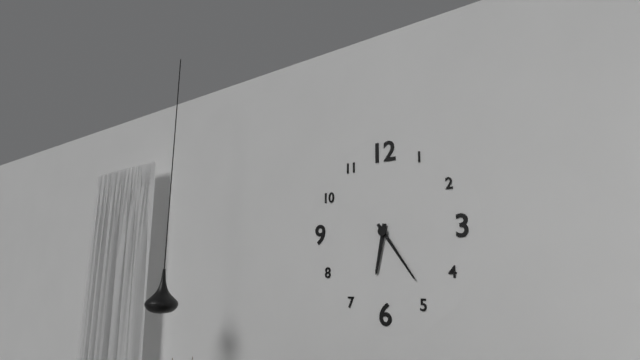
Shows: h=6 m=24
